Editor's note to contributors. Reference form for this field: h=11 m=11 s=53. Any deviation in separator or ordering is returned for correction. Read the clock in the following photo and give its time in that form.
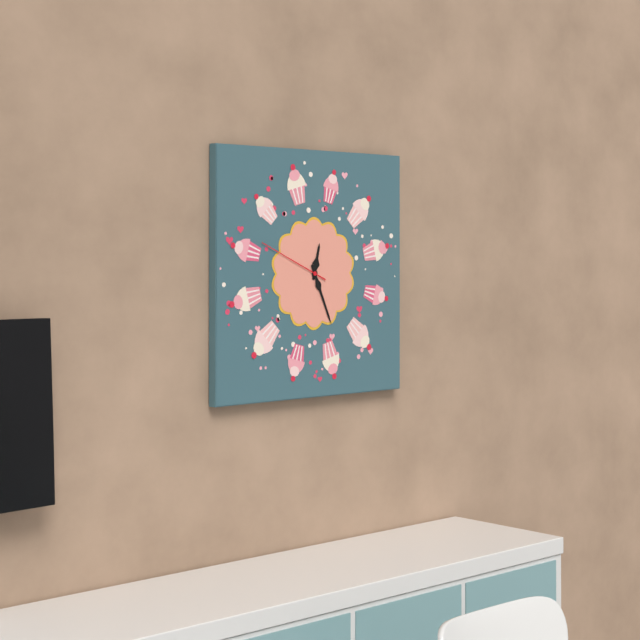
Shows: h=12 m=26 s=49
